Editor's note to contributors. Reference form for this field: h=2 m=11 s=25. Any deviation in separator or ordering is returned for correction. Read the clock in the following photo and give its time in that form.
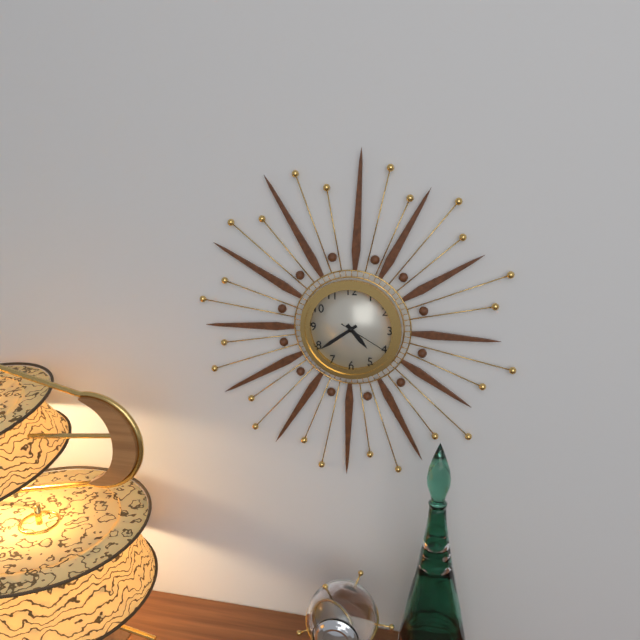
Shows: h=4 m=39 s=20
